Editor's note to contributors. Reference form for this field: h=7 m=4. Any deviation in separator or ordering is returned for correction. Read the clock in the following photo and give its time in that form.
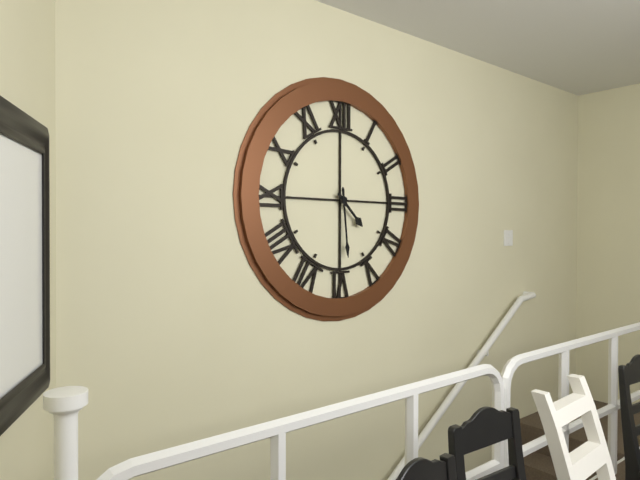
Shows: h=4 m=29
